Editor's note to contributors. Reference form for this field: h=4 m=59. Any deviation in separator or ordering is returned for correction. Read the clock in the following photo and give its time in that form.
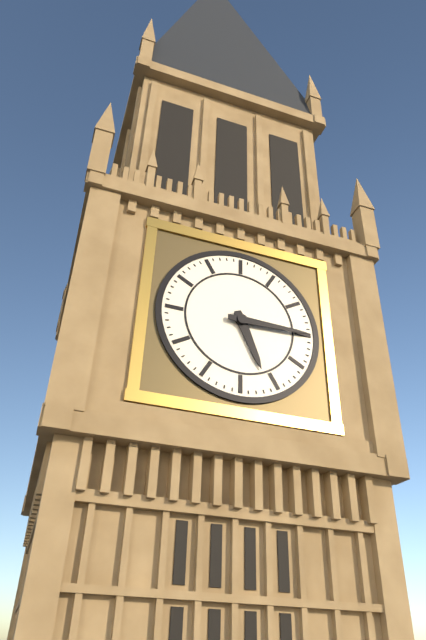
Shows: h=5 m=15
